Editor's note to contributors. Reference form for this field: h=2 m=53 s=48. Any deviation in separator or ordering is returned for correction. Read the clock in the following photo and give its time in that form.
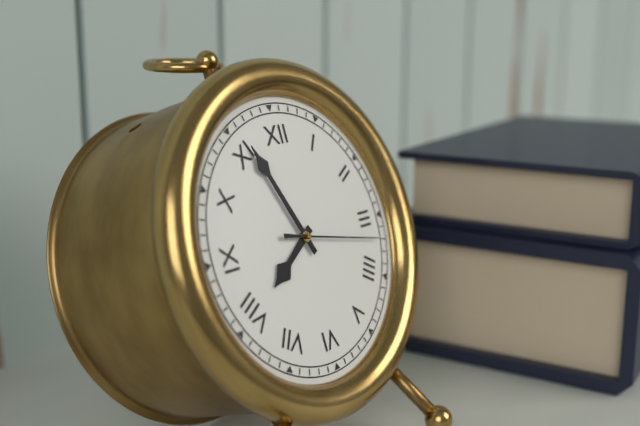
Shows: h=7 m=56 s=17
